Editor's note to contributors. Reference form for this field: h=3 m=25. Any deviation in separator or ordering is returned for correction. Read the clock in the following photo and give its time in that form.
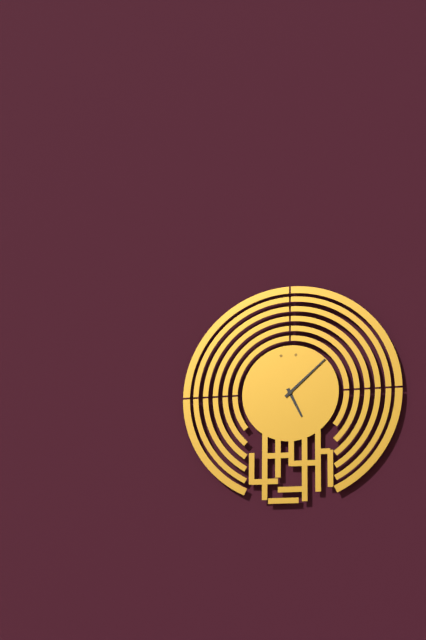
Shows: h=5 m=8
